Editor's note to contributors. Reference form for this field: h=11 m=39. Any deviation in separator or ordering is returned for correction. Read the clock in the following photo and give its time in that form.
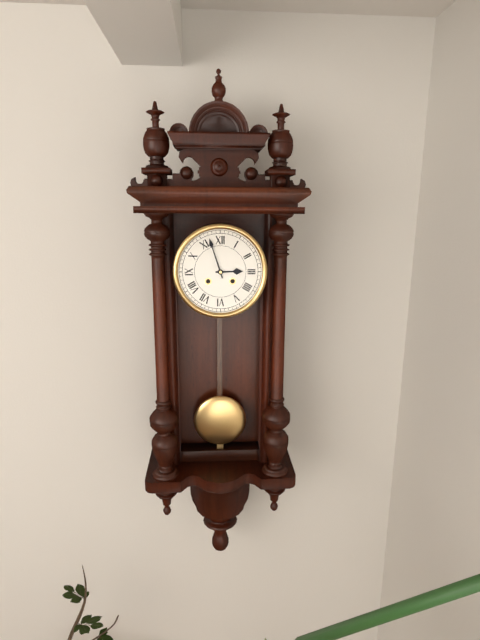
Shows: h=2 m=57
